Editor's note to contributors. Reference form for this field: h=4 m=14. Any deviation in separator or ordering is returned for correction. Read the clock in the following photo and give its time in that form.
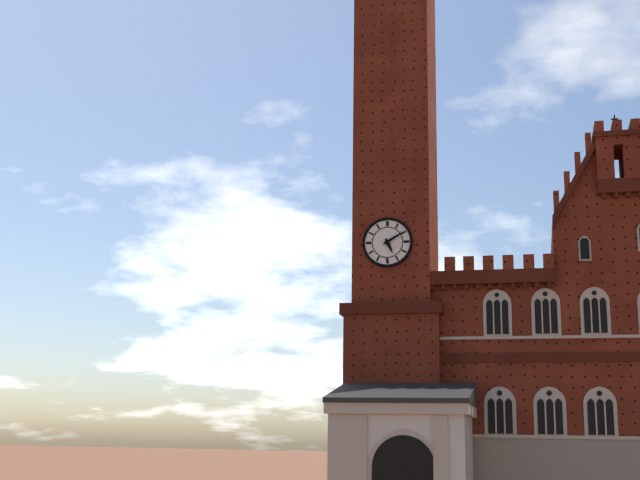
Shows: h=5 m=10
